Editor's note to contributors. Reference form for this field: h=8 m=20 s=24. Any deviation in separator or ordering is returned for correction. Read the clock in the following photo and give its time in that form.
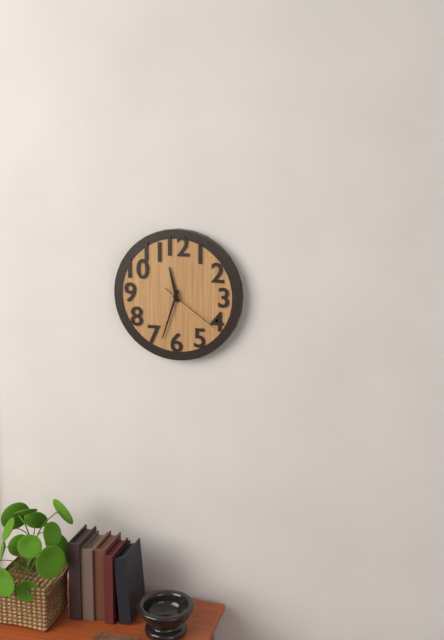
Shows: h=11 m=33 s=21
